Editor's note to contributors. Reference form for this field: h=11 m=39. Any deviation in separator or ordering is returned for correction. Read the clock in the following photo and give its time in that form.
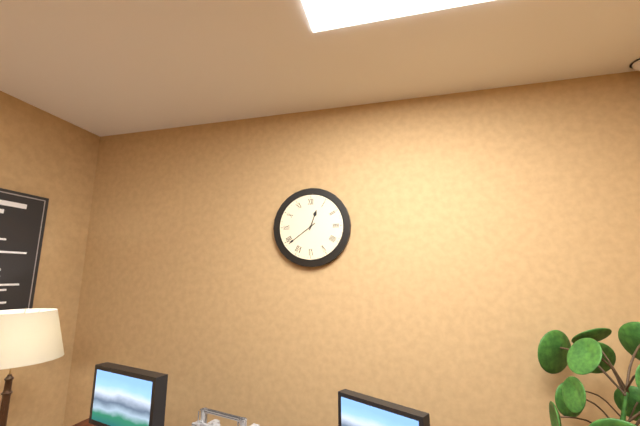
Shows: h=12 m=39
